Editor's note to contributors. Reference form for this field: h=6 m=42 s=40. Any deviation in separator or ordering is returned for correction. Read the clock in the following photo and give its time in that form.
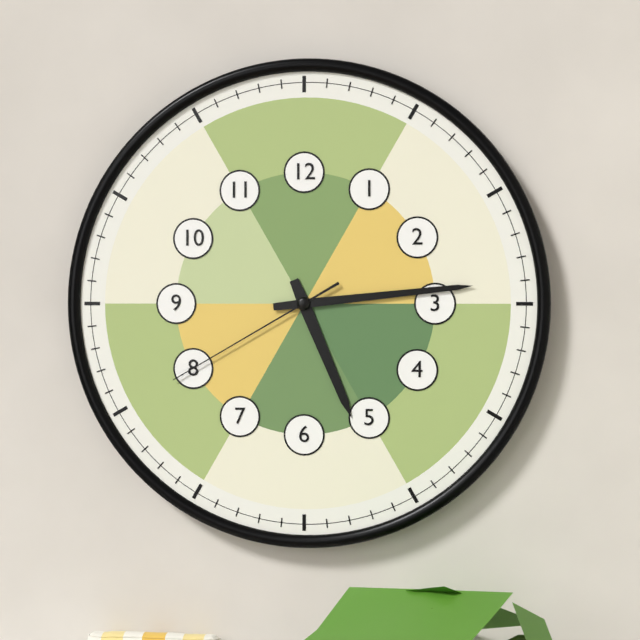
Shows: h=5 m=14 s=40
